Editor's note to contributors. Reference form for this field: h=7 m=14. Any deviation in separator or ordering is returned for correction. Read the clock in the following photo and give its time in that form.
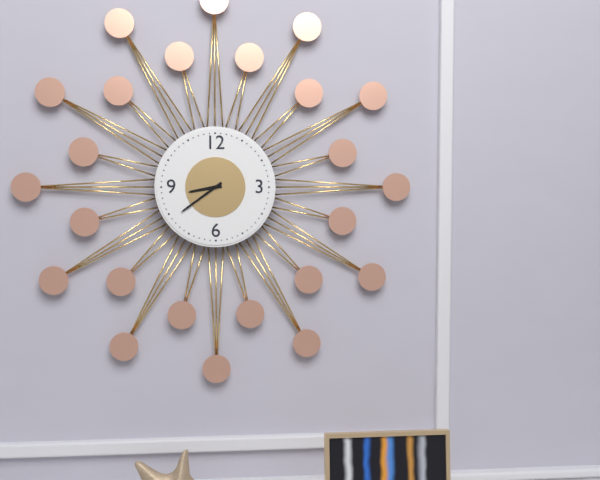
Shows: h=8 m=39
